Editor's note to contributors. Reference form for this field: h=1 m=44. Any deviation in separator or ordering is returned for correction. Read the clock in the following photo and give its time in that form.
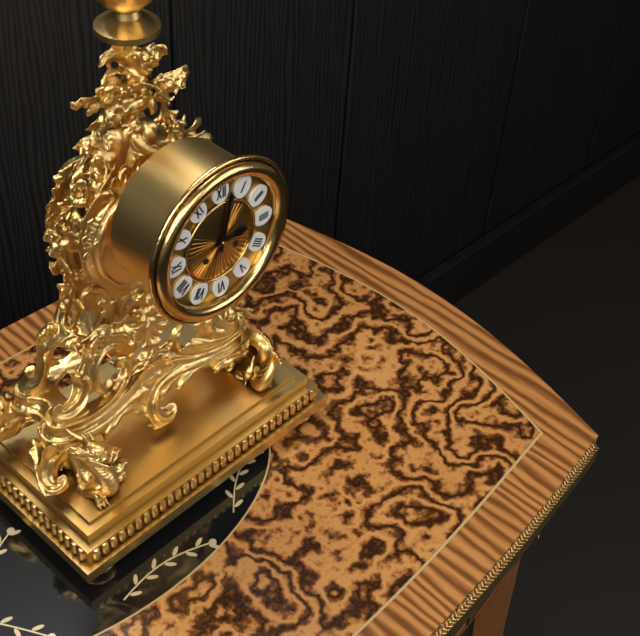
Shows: h=3 m=2
